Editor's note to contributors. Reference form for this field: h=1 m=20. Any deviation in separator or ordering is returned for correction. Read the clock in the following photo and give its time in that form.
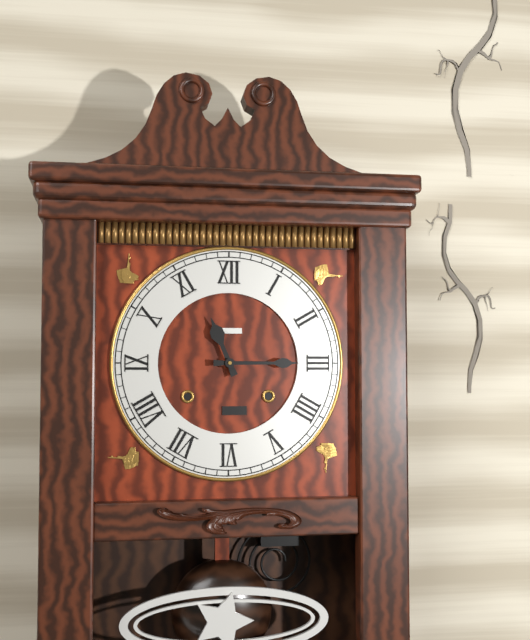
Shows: h=11 m=15
